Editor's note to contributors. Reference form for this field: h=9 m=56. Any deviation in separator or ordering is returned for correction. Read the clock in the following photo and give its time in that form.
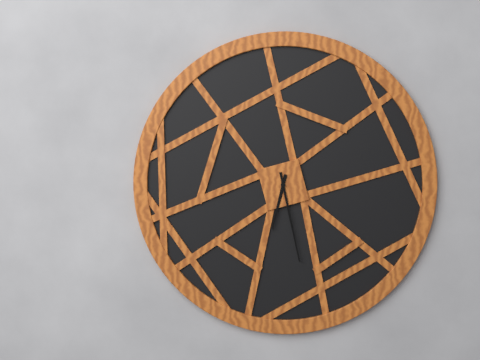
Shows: h=6 m=28
